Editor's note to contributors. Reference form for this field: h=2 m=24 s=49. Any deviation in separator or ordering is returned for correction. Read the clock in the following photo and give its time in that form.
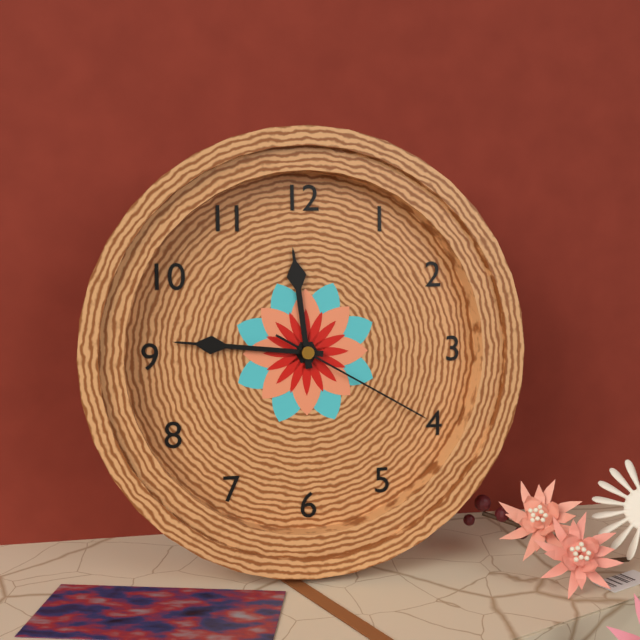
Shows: h=11 m=46 s=20
